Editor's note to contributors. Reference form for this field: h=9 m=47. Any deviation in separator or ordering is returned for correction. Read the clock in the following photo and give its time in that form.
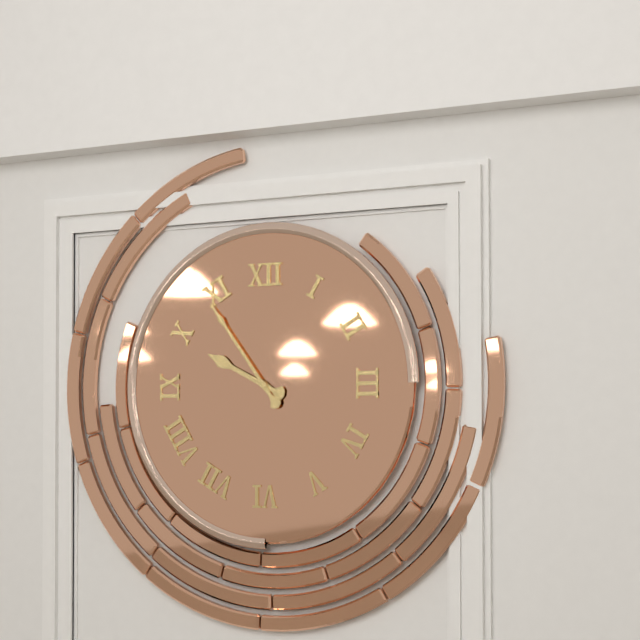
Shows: h=9 m=54
